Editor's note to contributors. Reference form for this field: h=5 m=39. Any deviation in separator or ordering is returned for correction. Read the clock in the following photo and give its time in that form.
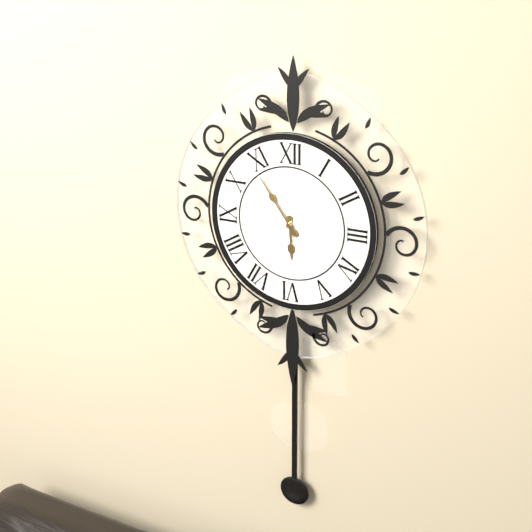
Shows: h=5 m=54
